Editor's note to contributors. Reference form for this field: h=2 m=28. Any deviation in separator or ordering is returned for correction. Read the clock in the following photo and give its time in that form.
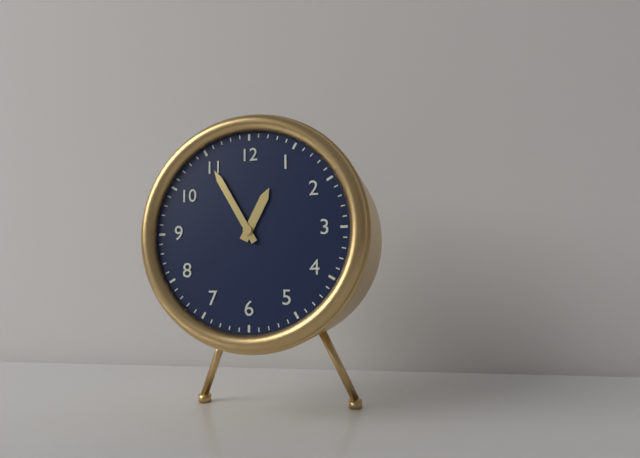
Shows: h=12 m=55
